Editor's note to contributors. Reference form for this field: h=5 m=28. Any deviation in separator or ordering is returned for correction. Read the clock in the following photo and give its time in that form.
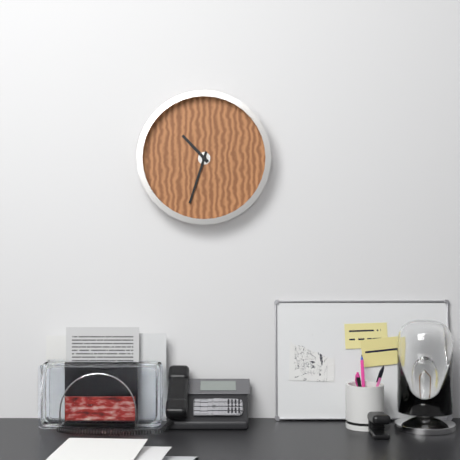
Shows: h=10 m=33
